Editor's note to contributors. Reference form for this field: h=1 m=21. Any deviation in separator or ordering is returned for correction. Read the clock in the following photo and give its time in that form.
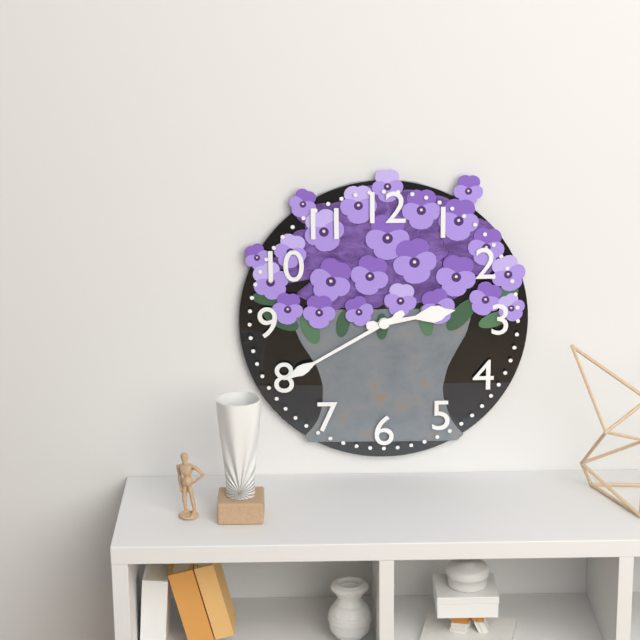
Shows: h=2 m=40
